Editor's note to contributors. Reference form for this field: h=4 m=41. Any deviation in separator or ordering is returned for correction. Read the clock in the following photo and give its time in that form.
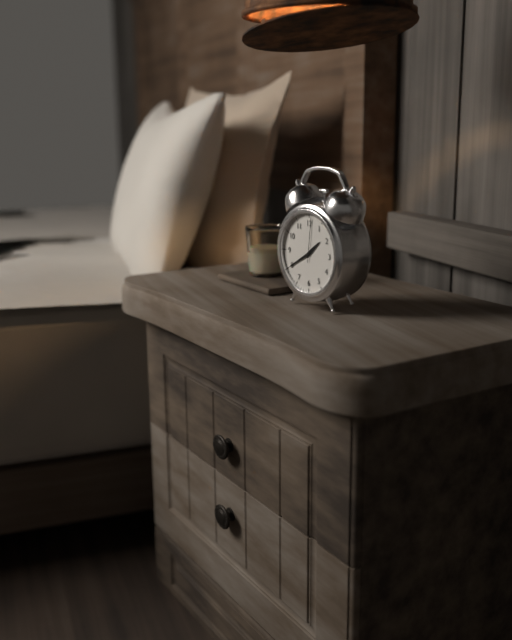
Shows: h=1 m=40
